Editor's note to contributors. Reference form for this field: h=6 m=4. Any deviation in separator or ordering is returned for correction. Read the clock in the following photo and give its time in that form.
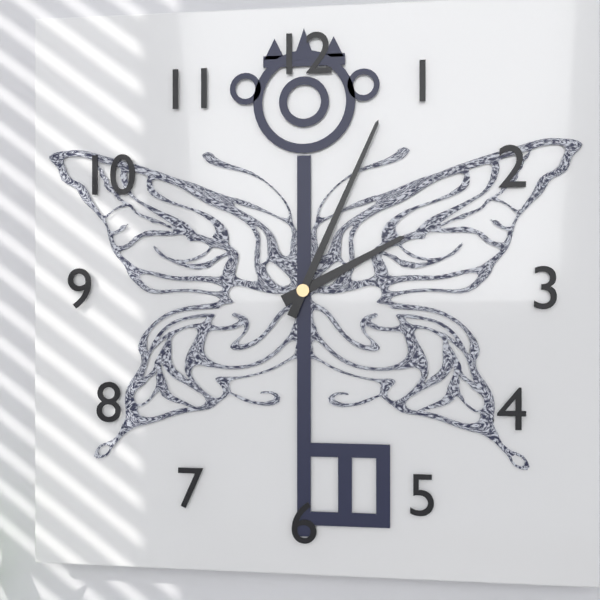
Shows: h=2 m=4
